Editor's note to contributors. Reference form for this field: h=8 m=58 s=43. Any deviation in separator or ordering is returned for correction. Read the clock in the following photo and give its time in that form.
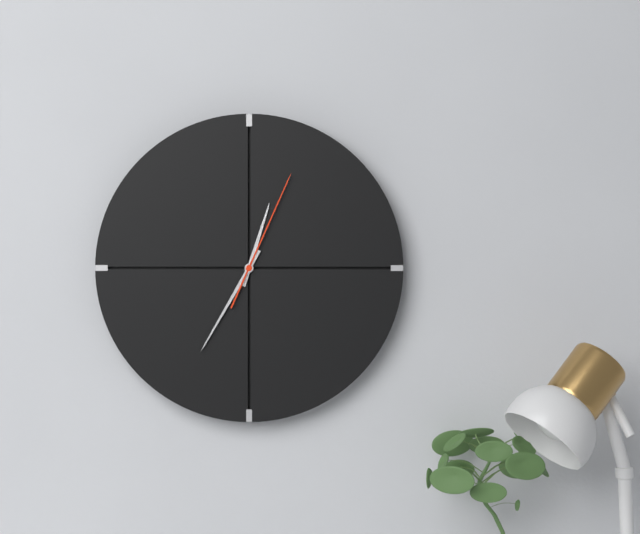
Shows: h=12 m=35 s=4
